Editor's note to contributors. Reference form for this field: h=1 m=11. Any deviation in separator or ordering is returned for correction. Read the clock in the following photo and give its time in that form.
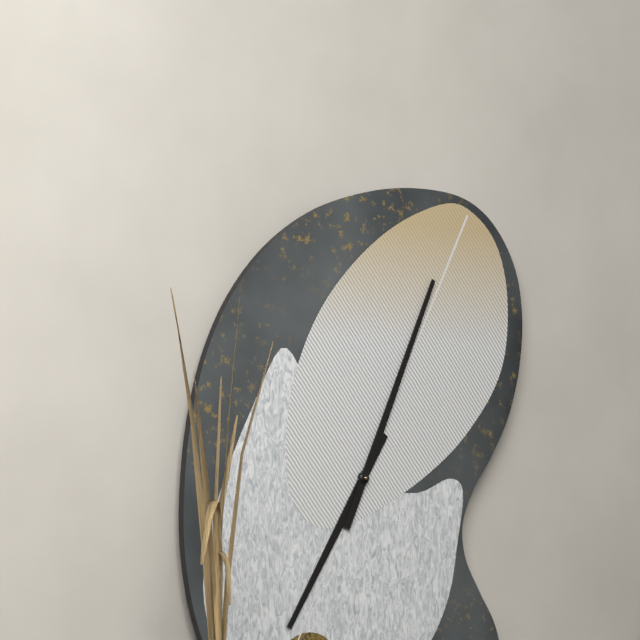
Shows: h=7 m=4
